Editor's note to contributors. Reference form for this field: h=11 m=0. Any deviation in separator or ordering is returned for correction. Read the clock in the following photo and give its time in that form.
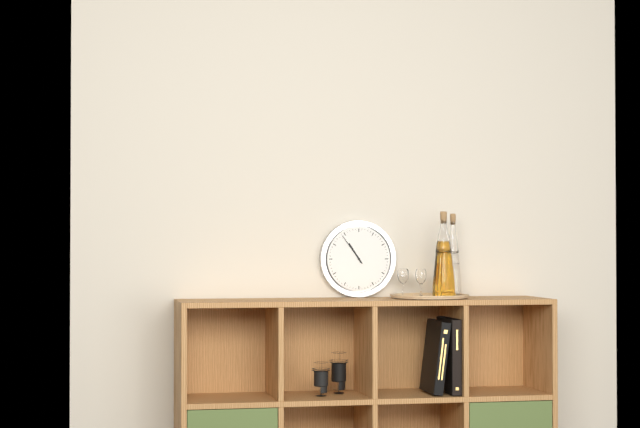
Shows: h=10 m=54
